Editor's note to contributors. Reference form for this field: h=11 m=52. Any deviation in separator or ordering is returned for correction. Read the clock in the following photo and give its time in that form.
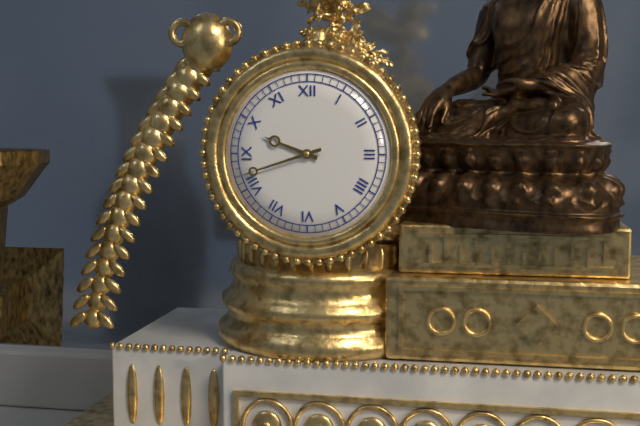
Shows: h=9 m=42
